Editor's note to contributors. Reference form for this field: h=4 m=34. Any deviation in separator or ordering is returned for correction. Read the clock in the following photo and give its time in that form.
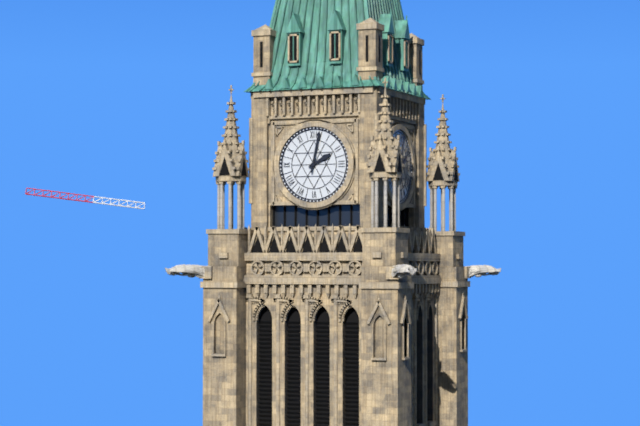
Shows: h=2 m=2
